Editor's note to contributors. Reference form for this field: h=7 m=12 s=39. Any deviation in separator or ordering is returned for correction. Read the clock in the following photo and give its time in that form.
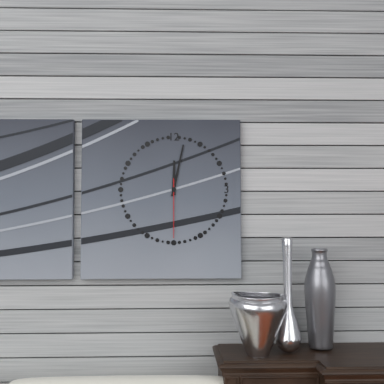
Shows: h=12 m=2 s=30
